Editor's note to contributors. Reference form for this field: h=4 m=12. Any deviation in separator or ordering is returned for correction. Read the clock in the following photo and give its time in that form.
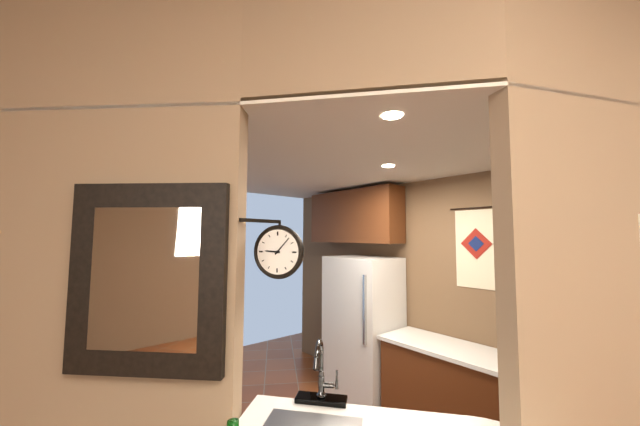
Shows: h=9 m=7
